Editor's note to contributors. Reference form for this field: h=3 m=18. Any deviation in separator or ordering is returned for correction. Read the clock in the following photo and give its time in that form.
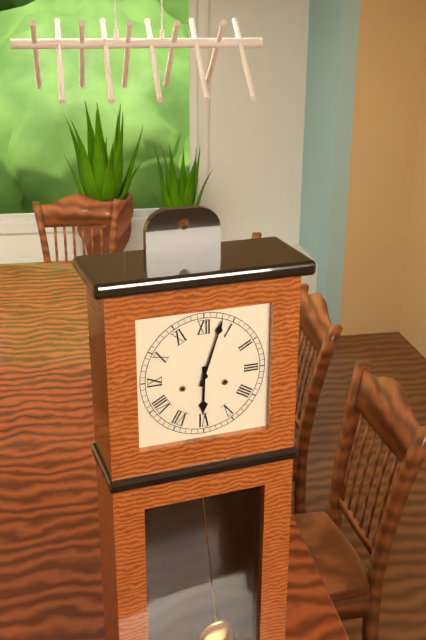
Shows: h=6 m=3
